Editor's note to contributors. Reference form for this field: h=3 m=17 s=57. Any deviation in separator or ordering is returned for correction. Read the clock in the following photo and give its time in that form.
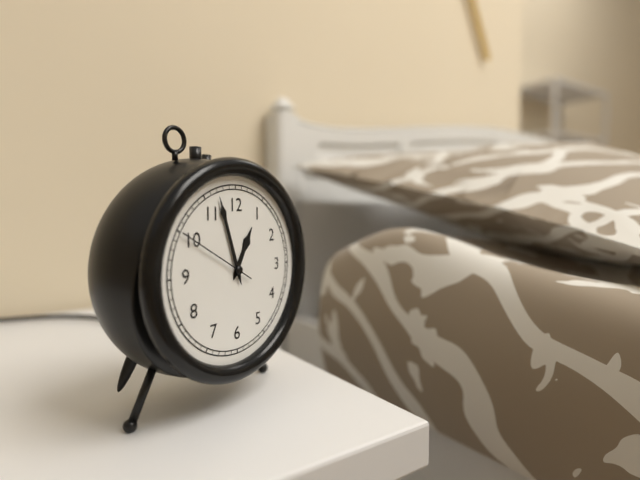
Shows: h=12 m=57 s=50
